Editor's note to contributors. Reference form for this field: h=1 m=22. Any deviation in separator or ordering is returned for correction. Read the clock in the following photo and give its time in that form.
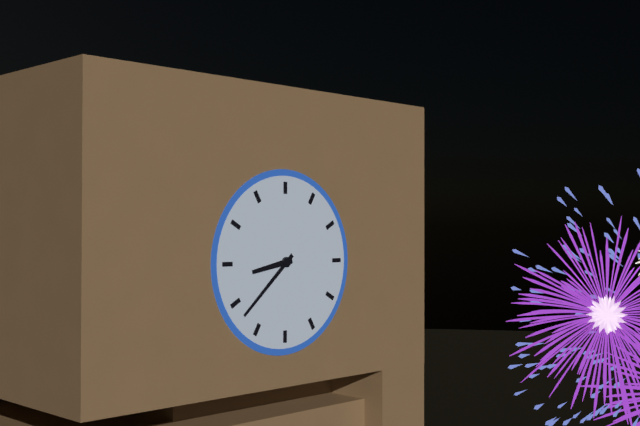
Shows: h=8 m=38
